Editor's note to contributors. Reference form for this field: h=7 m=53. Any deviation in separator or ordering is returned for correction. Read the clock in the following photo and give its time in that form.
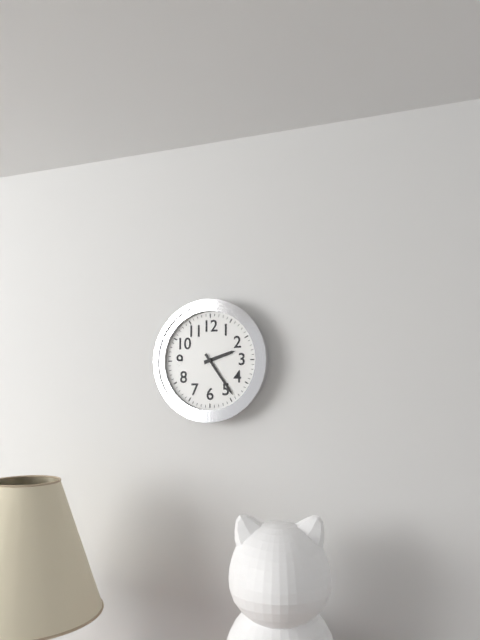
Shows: h=2 m=24
